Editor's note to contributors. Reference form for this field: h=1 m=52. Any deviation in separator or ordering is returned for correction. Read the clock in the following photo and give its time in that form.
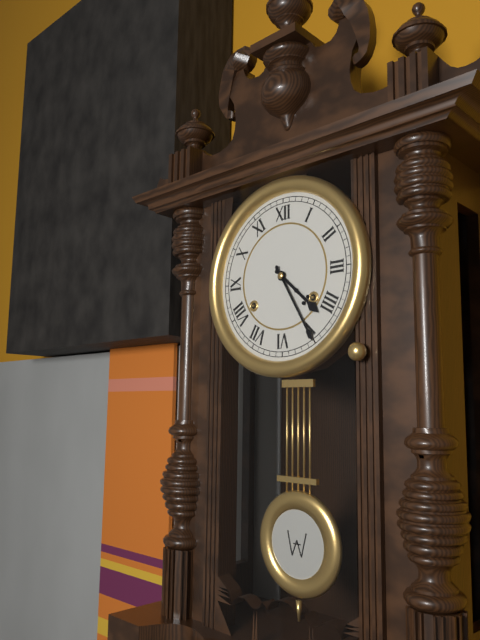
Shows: h=4 m=25
